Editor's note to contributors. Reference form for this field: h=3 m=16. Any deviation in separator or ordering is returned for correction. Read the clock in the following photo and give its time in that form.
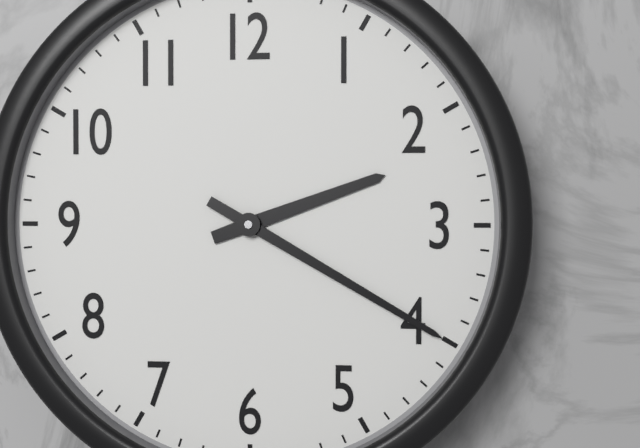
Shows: h=2 m=20
